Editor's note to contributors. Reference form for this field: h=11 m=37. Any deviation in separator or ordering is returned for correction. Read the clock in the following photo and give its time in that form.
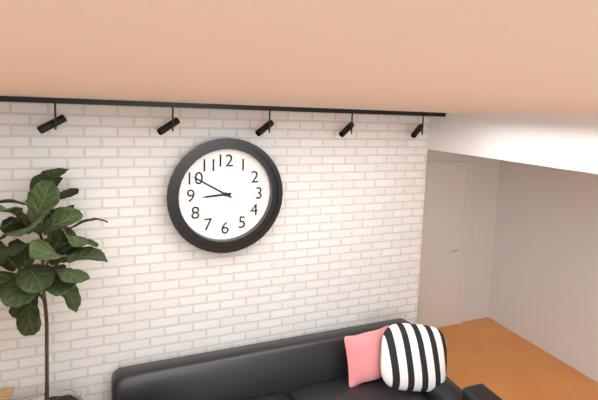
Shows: h=8 m=50
